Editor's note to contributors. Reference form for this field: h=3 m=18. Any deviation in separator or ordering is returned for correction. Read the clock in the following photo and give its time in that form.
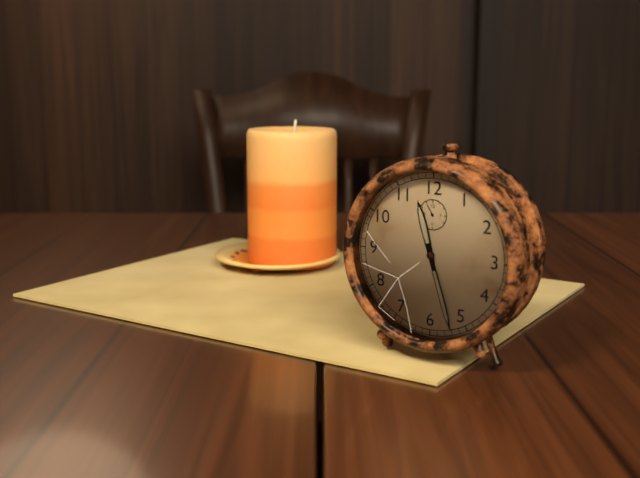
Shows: h=11 m=27
